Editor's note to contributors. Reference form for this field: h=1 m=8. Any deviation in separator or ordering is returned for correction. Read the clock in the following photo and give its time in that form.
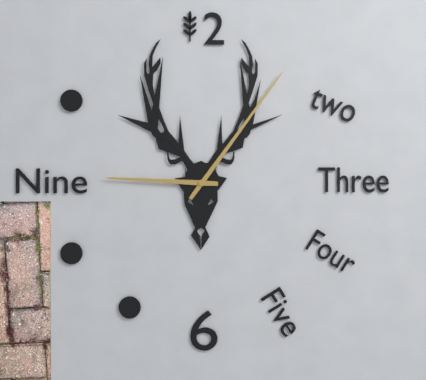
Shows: h=9 m=6
